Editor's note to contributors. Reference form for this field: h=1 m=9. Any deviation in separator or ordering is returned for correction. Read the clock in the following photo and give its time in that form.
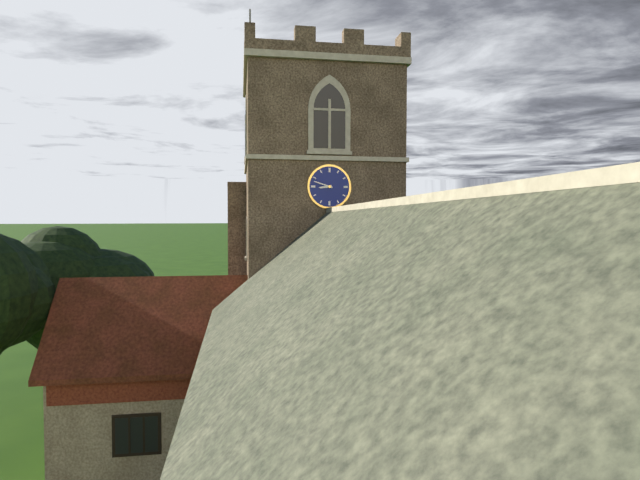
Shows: h=8 m=48
